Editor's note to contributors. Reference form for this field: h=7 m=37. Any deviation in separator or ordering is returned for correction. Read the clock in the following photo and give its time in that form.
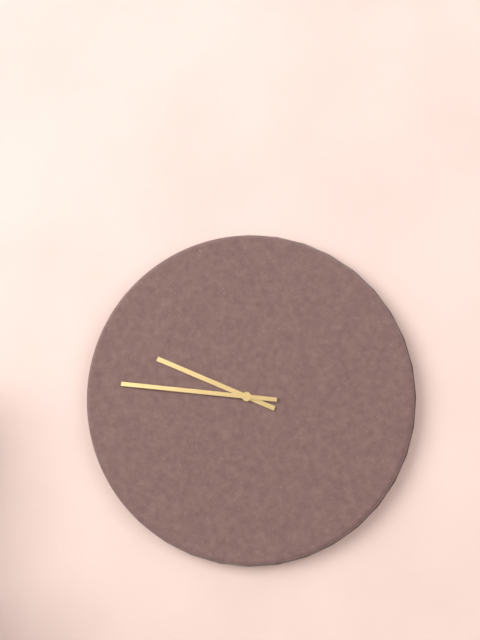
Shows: h=9 m=46
